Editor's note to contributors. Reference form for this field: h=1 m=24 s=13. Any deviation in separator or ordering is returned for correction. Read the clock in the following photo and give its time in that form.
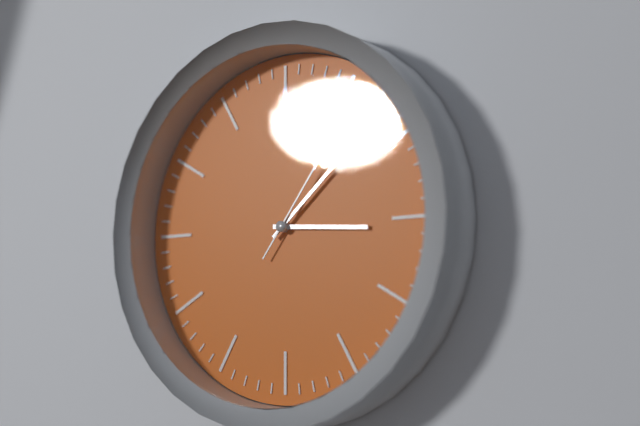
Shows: h=3 m=8 s=6
